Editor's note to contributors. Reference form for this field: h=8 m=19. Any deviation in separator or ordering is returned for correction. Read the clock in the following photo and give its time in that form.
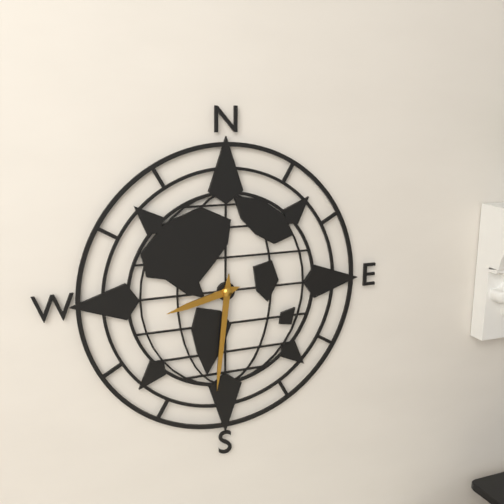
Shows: h=8 m=31
